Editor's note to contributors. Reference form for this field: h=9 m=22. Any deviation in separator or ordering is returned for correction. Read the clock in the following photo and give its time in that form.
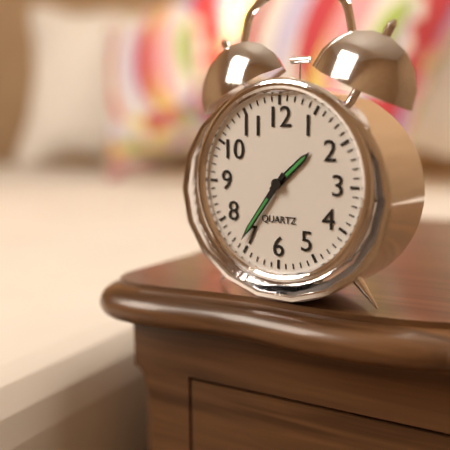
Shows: h=1 m=36
